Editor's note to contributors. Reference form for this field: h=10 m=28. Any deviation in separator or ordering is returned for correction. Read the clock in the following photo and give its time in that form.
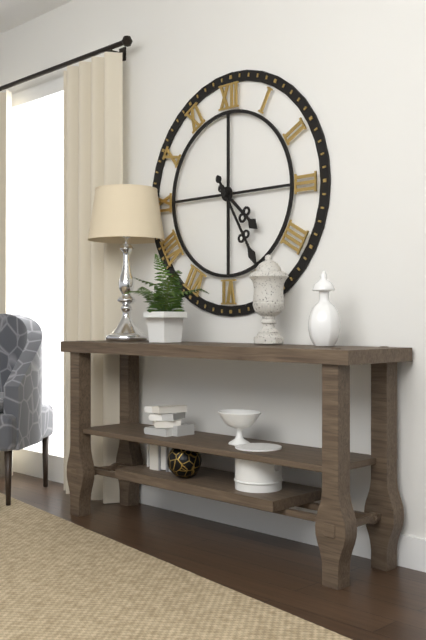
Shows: h=4 m=25
